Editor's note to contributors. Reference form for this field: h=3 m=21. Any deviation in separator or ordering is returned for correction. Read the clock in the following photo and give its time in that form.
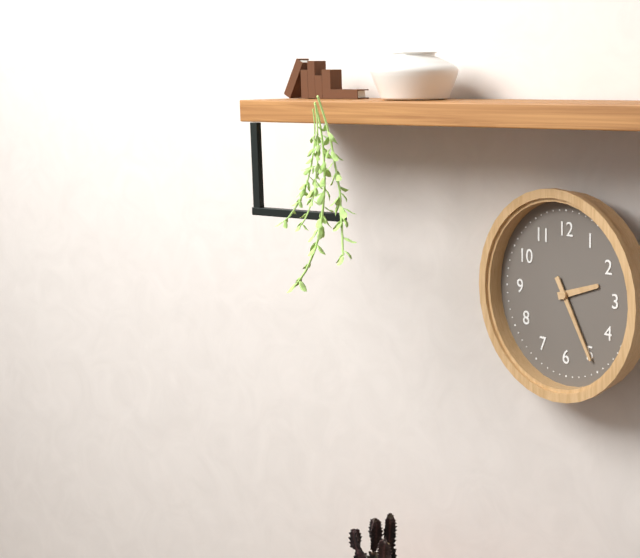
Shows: h=2 m=25
